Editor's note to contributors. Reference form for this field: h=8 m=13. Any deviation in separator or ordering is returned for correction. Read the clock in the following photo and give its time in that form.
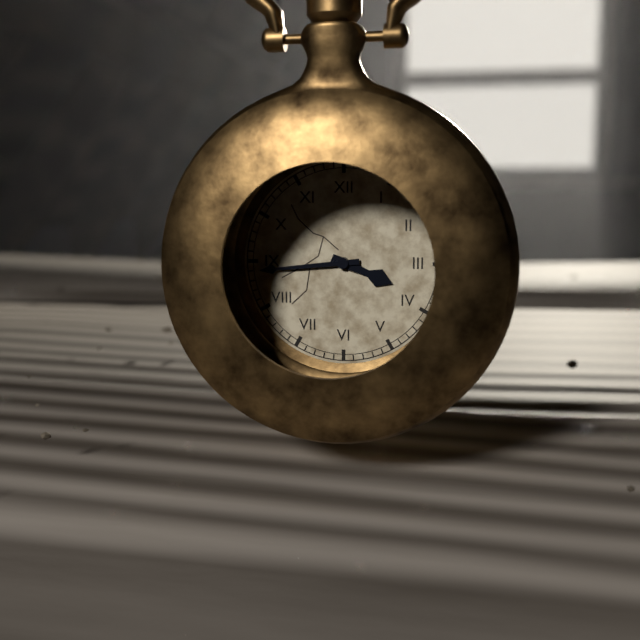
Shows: h=3 m=44
